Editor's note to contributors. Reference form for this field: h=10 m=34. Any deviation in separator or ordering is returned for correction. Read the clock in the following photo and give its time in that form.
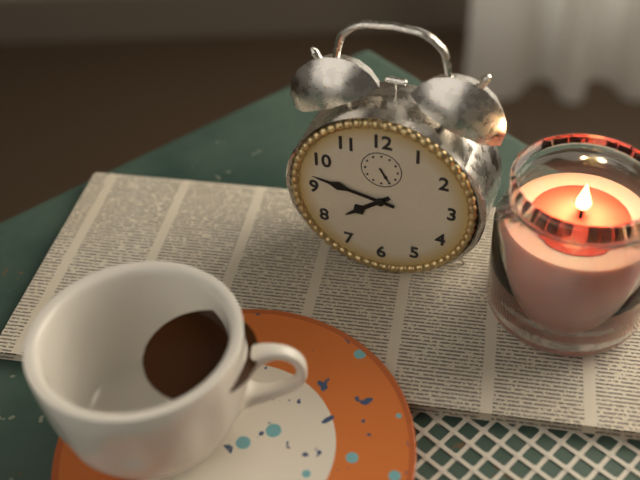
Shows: h=7 m=47
